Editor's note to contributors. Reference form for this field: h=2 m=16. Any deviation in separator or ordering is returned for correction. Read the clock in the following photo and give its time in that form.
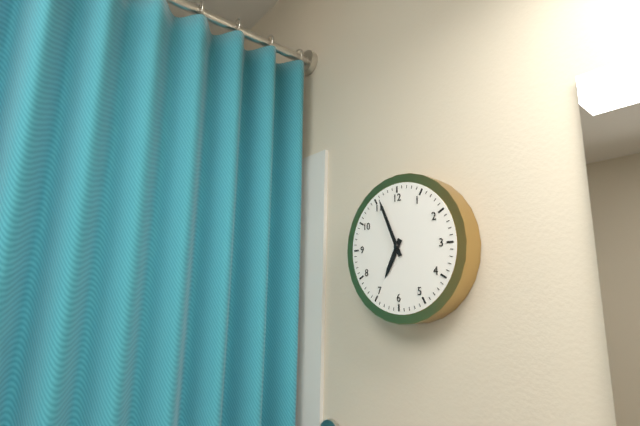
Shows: h=6 m=56
